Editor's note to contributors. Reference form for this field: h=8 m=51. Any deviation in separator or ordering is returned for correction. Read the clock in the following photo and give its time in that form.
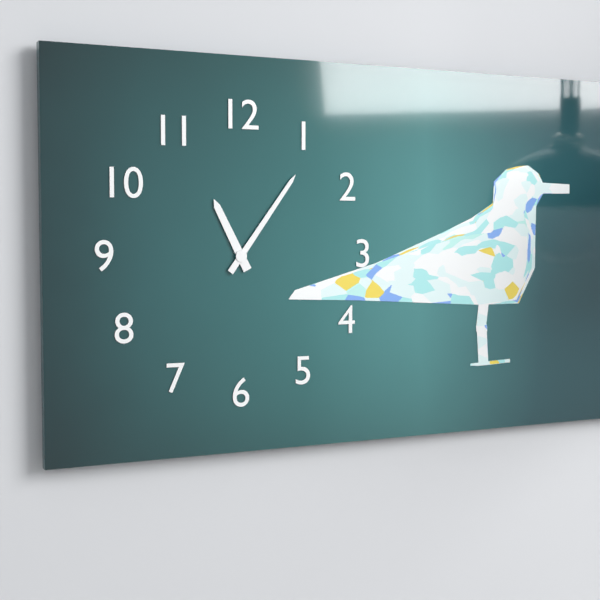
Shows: h=11 m=6
